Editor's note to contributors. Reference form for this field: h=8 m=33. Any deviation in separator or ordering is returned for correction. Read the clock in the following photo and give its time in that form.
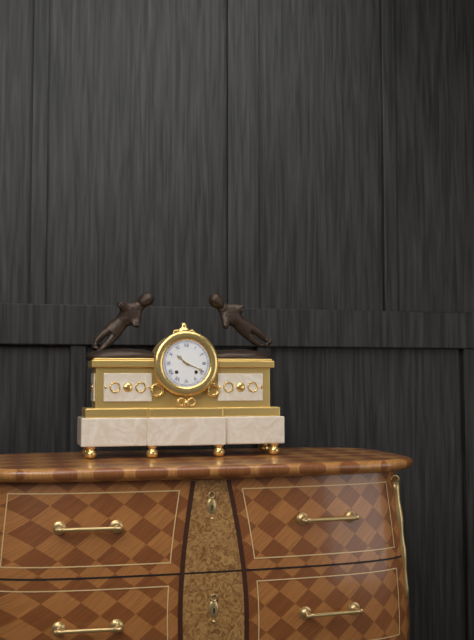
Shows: h=10 m=19
